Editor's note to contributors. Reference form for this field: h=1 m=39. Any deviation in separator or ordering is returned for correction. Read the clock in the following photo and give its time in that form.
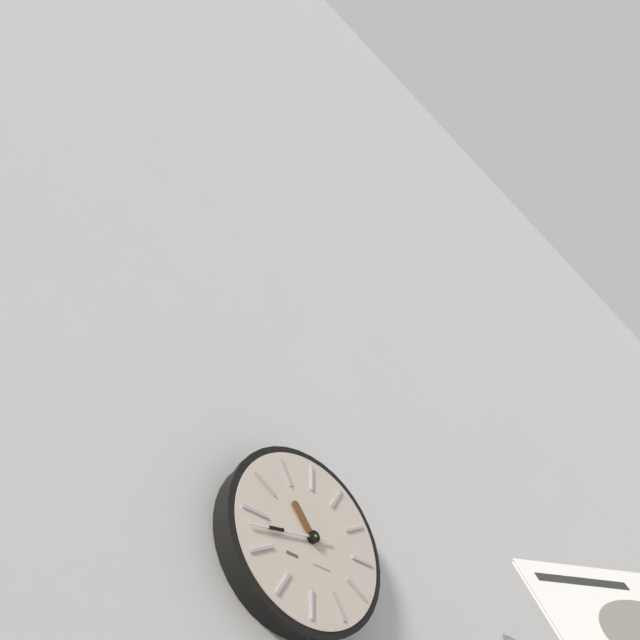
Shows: h=10 m=43
